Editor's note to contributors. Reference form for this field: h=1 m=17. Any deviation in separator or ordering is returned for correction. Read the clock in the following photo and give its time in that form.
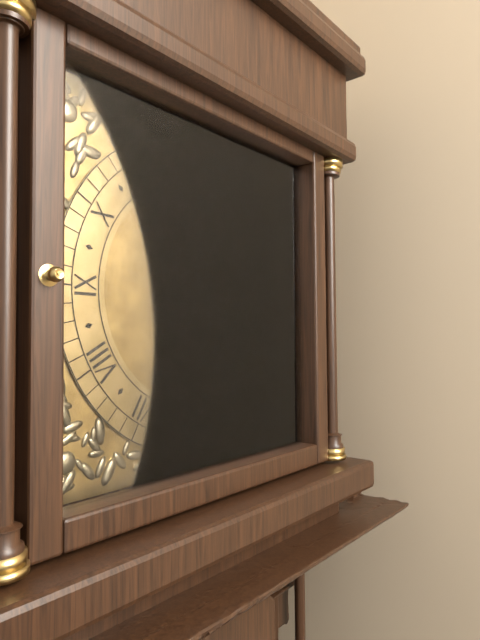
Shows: h=6 m=58
